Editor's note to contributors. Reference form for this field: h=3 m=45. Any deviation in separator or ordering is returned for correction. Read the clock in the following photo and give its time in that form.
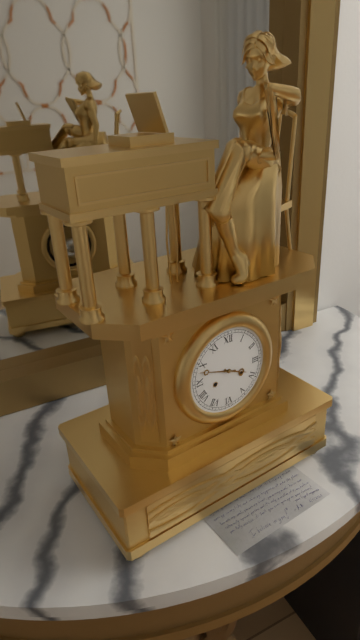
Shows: h=3 m=48
